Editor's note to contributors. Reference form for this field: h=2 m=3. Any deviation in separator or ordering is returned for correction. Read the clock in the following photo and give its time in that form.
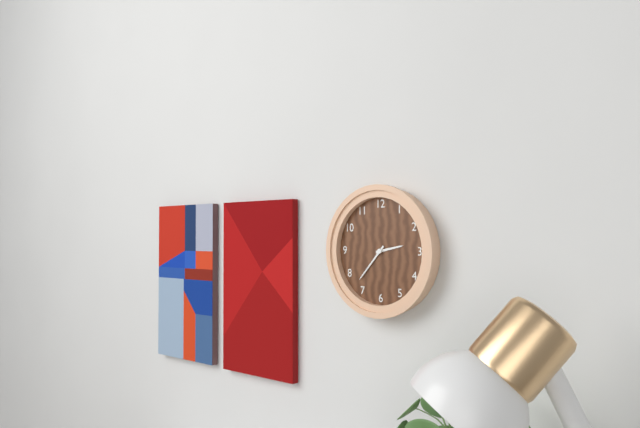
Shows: h=2 m=37
